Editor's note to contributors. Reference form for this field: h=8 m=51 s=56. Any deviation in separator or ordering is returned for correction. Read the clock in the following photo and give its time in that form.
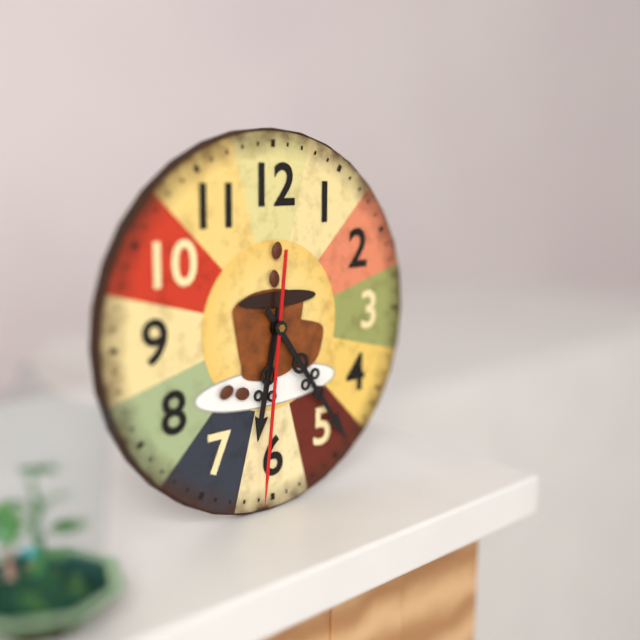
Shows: h=6 m=24 s=31
